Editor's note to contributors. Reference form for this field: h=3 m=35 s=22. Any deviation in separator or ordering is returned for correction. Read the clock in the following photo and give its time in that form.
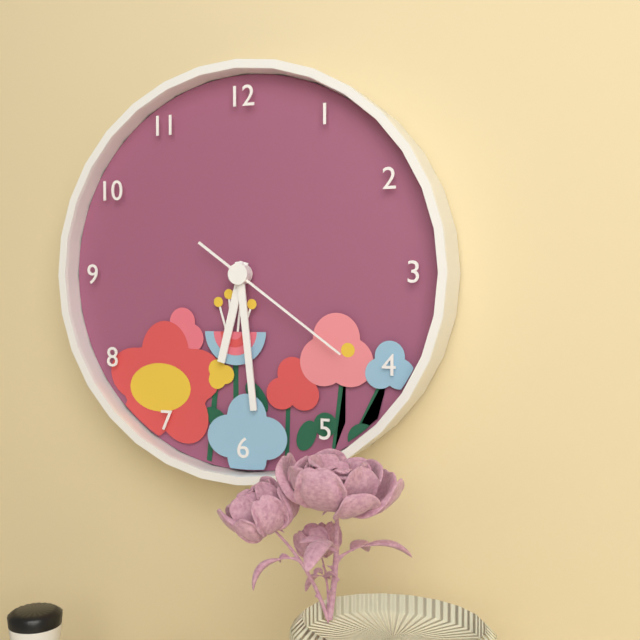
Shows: h=6 m=29 s=21
